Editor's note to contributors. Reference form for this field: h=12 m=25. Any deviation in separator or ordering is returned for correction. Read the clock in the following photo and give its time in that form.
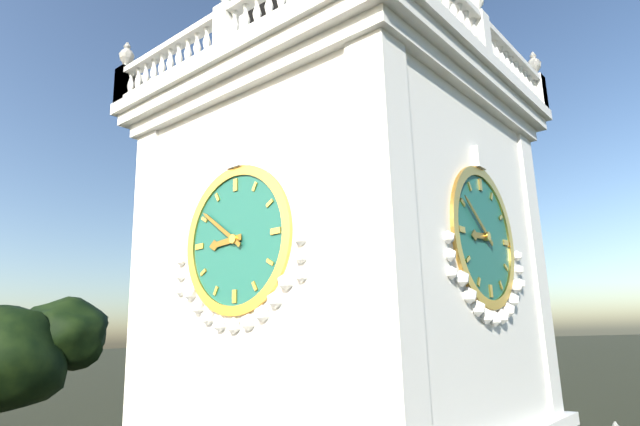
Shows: h=8 m=51
